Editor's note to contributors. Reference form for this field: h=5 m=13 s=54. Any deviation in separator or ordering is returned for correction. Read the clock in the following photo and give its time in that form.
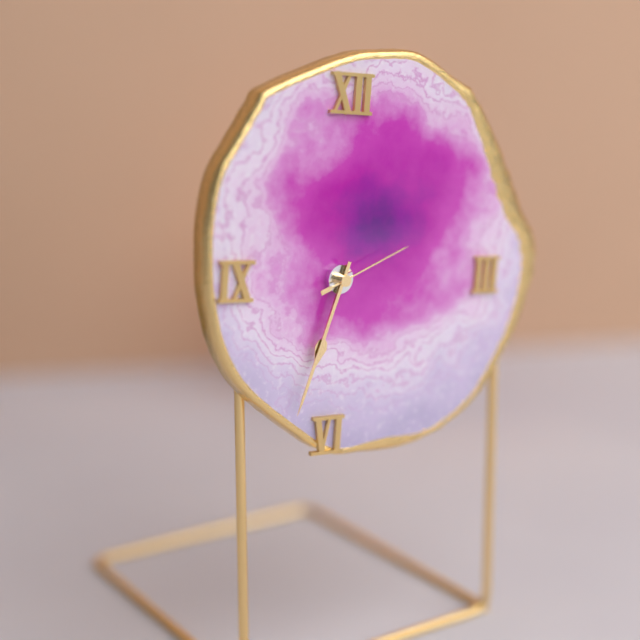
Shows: h=6 m=33 s=11
